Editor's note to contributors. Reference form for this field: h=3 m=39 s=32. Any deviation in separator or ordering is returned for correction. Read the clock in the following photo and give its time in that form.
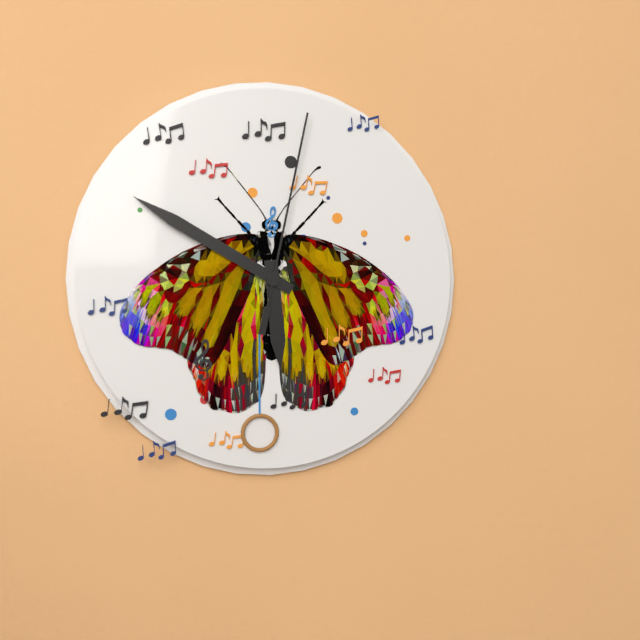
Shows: h=5 m=50 s=2
